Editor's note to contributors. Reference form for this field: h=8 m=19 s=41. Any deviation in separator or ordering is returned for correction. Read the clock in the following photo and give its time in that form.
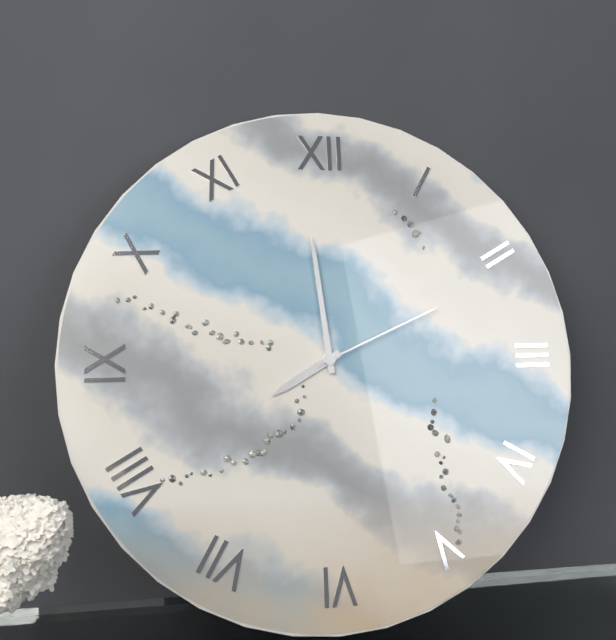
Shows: h=7 m=59 s=11
